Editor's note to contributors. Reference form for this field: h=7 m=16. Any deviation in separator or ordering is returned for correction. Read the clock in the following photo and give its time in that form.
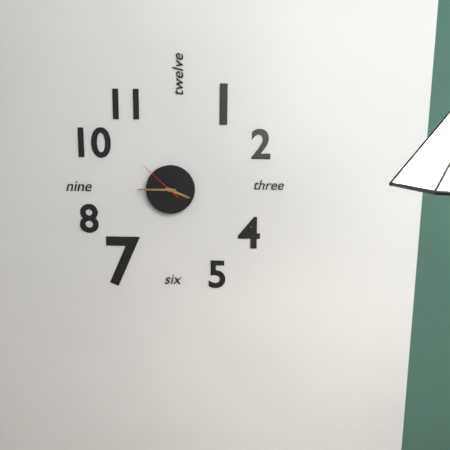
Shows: h=3 m=45
